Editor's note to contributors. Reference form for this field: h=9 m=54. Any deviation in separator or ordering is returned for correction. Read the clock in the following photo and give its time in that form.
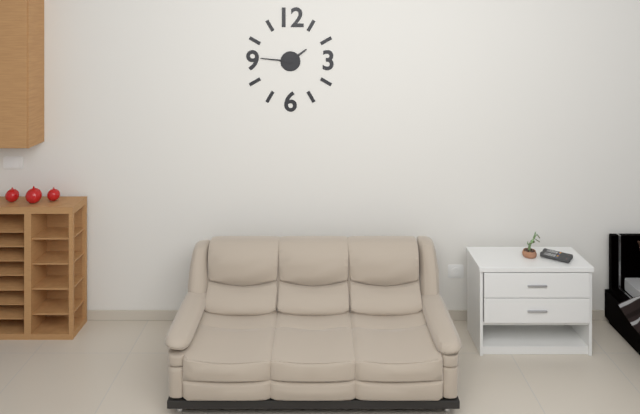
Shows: h=1 m=46
